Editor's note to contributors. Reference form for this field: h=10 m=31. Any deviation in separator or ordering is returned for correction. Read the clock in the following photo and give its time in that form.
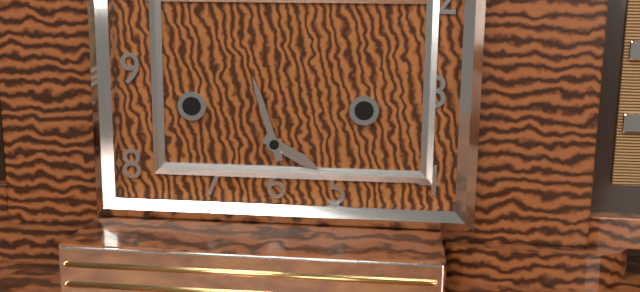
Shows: h=3 m=57
